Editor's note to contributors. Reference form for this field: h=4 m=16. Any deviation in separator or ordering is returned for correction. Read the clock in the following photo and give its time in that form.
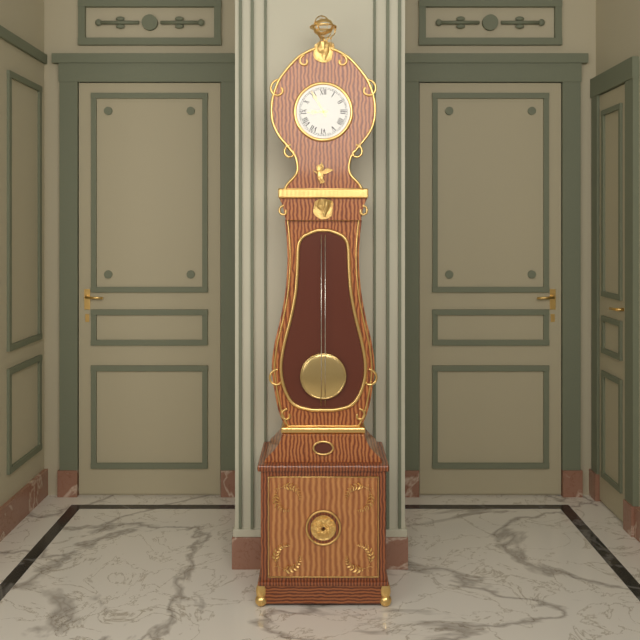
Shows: h=8 m=55
